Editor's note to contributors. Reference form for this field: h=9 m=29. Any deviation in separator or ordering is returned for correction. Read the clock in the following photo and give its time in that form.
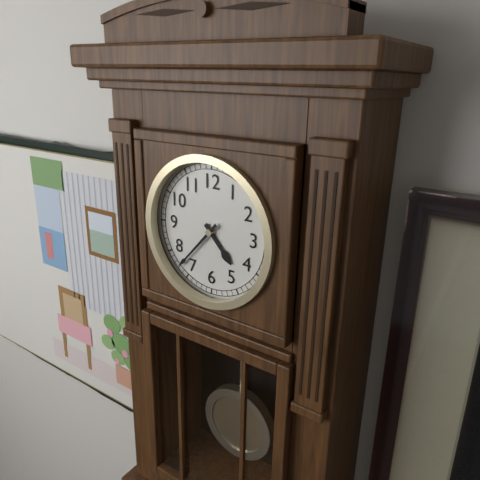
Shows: h=4 m=37
